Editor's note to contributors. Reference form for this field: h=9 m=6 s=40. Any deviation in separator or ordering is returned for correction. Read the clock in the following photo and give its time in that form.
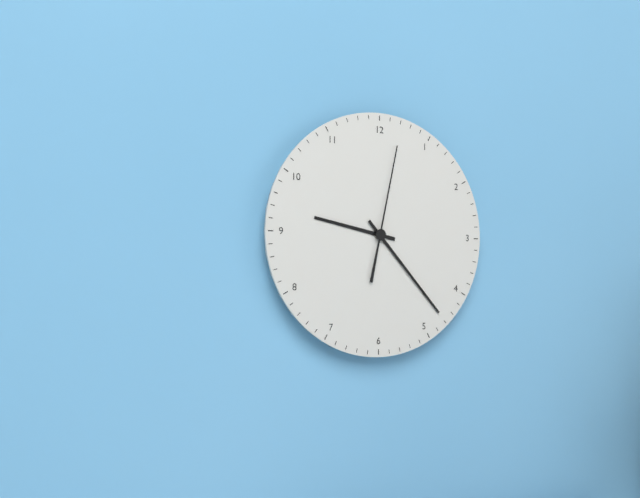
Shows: h=9 m=23 s=2
